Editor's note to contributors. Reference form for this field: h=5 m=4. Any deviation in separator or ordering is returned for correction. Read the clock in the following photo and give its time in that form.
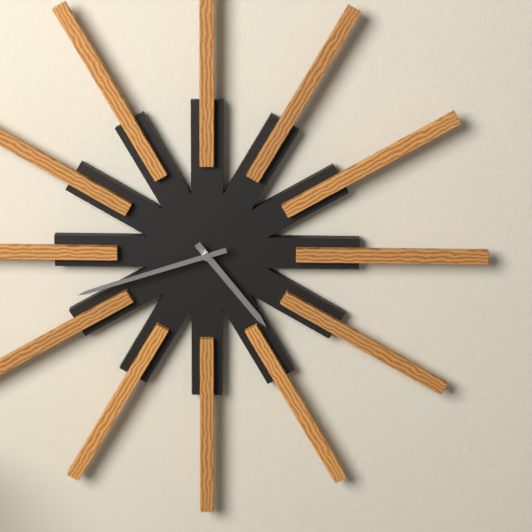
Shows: h=4 m=42
